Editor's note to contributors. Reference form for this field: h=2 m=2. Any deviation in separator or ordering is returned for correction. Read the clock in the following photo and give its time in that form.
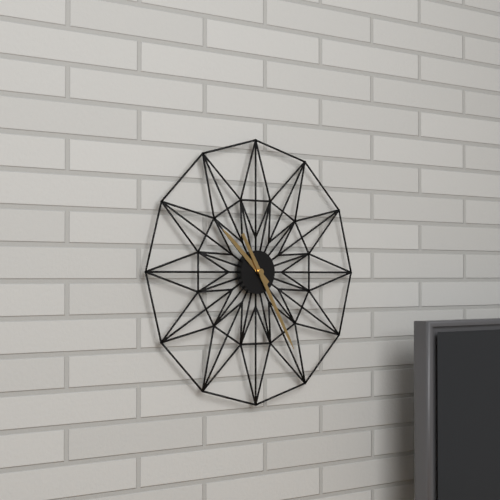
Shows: h=10 m=25
